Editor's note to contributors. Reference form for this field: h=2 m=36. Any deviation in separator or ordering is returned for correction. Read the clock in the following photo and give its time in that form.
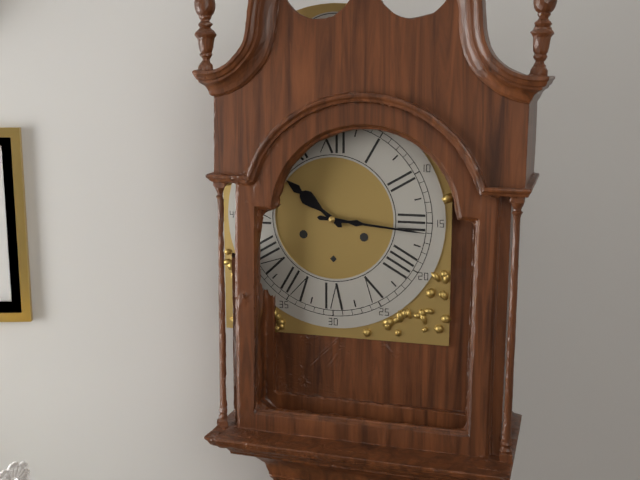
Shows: h=10 m=16
